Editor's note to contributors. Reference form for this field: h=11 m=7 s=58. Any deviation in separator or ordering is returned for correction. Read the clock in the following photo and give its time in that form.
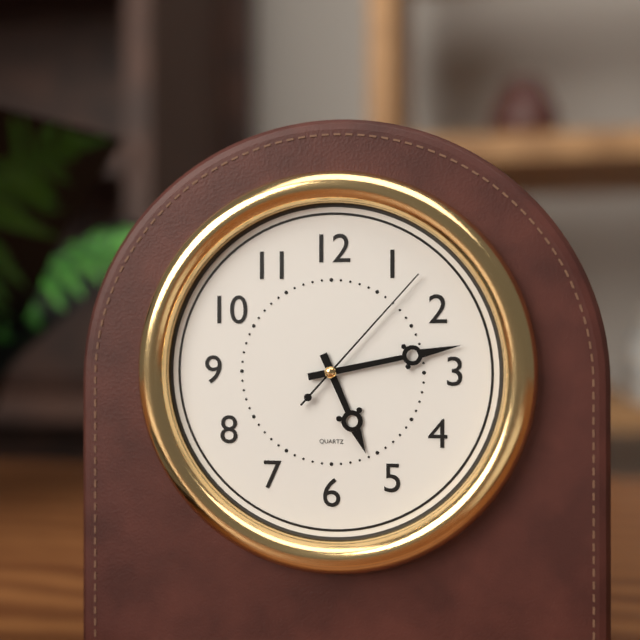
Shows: h=5 m=13 s=7
